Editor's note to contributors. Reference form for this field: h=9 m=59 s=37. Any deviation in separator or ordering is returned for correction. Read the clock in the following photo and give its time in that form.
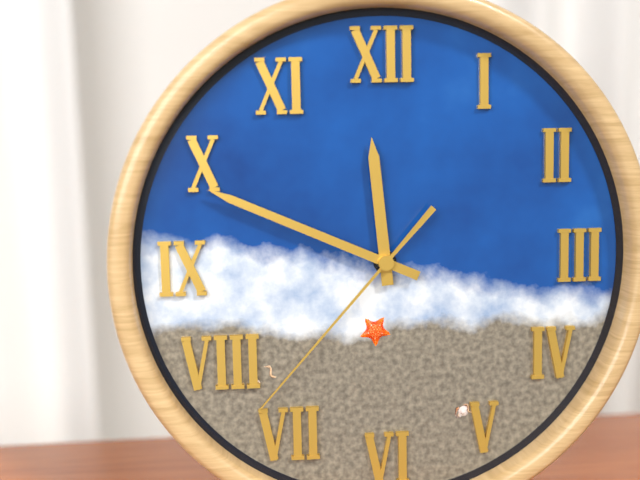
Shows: h=11 m=49 s=37
